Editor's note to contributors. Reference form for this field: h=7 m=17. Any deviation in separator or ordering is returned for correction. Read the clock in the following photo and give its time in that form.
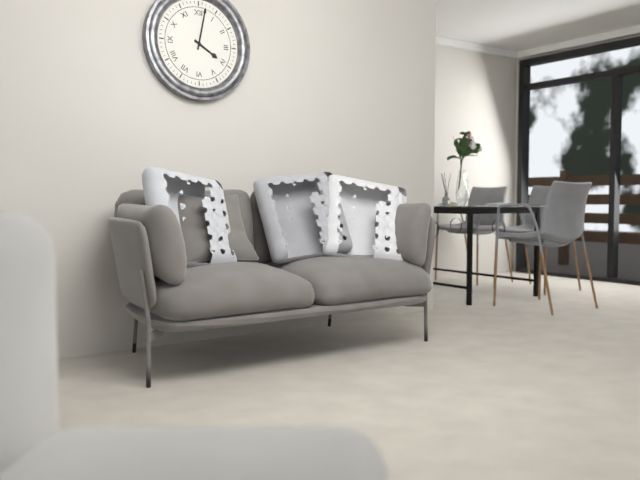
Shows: h=4 m=2
